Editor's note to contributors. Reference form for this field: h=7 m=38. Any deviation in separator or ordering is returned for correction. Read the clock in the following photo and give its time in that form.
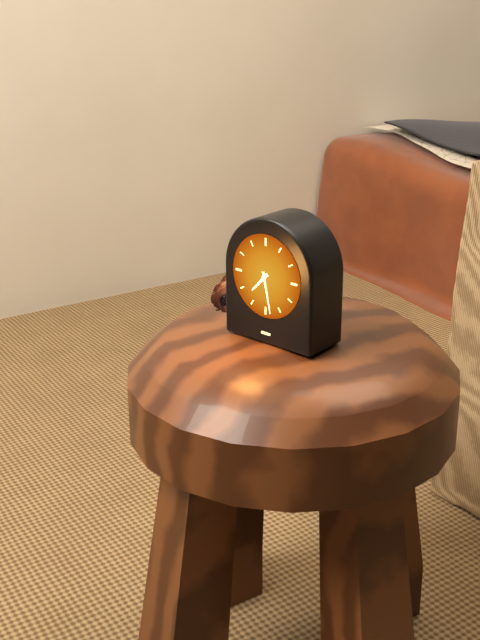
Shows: h=7 m=28
